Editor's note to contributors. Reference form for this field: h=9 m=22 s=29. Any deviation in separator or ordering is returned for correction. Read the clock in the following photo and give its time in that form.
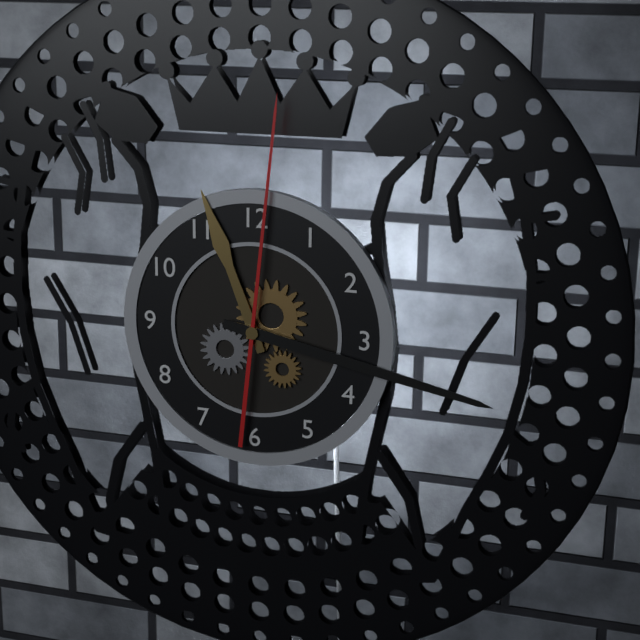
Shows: h=11 m=17 s=1
